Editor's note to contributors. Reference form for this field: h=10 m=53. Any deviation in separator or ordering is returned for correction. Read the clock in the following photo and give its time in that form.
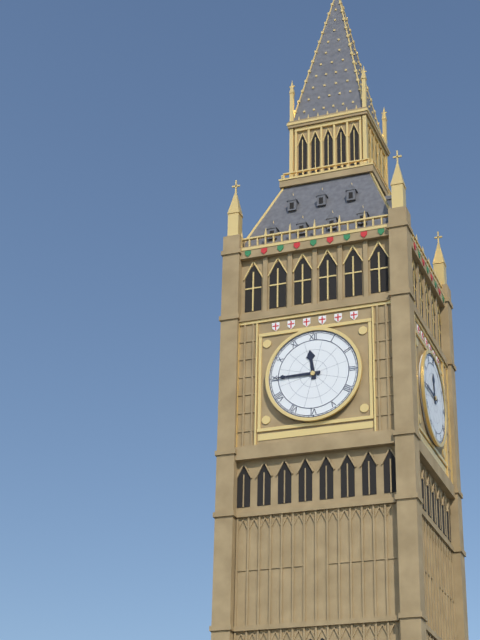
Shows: h=11 m=45
